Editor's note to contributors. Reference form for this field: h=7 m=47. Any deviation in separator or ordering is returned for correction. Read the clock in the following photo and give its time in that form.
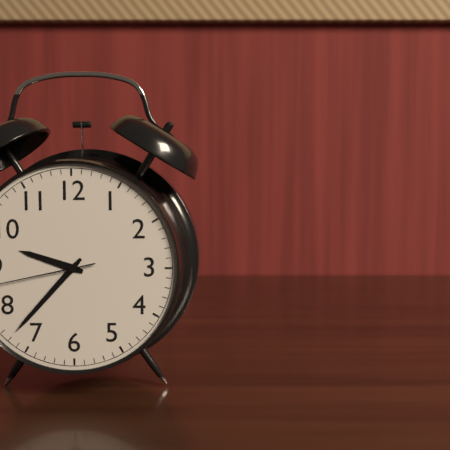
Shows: h=9 m=37
